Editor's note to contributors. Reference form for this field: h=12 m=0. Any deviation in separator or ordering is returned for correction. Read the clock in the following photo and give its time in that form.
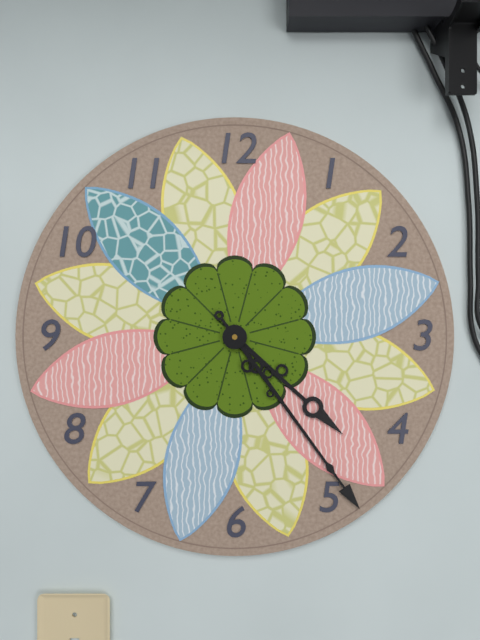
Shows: h=4 m=24
